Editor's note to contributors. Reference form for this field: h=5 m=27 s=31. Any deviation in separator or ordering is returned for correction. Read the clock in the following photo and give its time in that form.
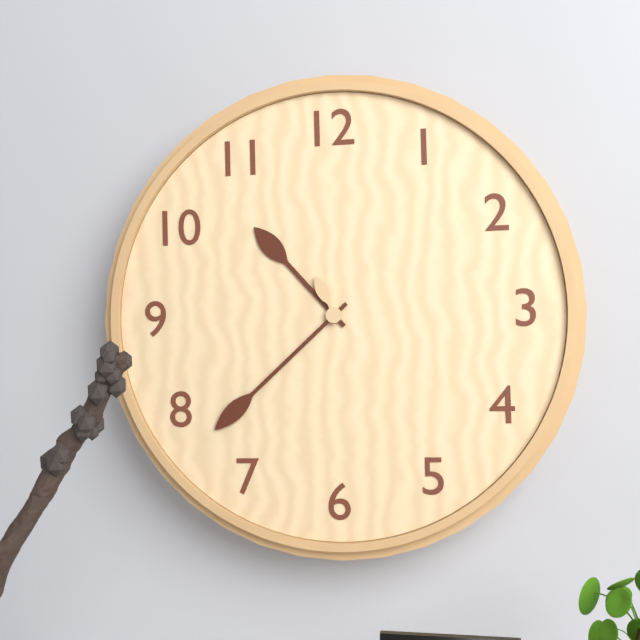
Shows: h=10 m=38 s=56
